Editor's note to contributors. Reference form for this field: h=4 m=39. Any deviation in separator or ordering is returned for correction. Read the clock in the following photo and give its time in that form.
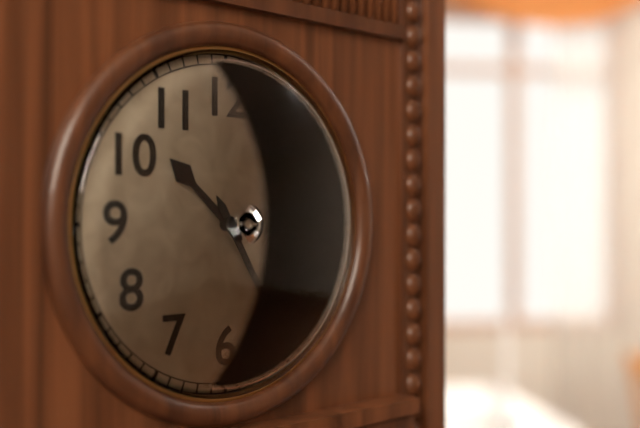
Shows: h=10 m=25
